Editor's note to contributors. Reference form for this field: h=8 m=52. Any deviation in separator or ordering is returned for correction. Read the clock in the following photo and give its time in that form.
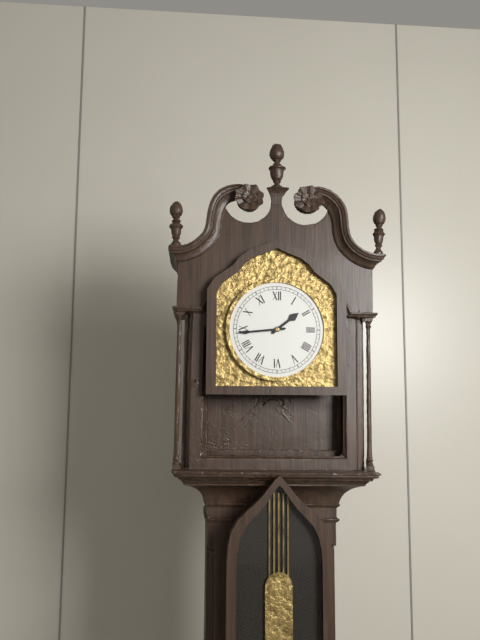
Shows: h=1 m=44
